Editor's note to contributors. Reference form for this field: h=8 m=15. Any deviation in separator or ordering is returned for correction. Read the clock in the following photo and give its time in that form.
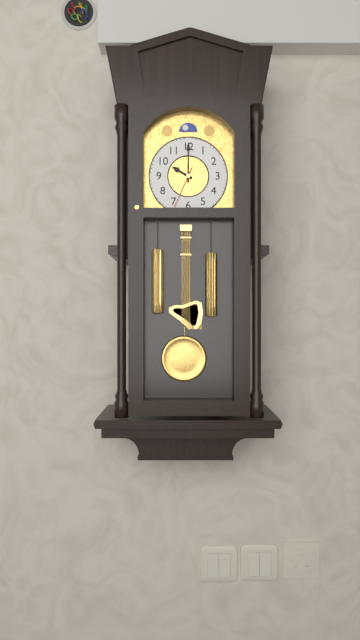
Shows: h=10 m=0
